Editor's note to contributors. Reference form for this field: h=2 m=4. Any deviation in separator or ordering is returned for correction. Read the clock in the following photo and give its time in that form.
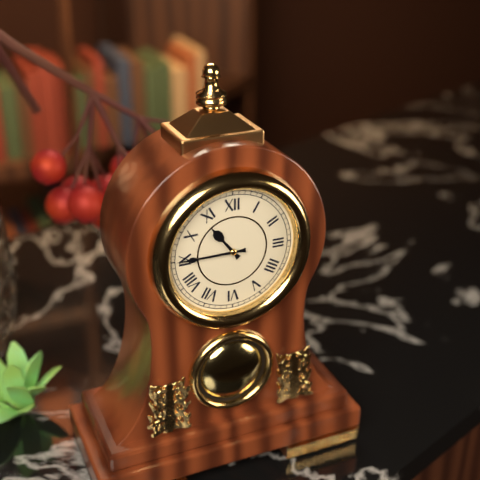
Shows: h=10 m=45
